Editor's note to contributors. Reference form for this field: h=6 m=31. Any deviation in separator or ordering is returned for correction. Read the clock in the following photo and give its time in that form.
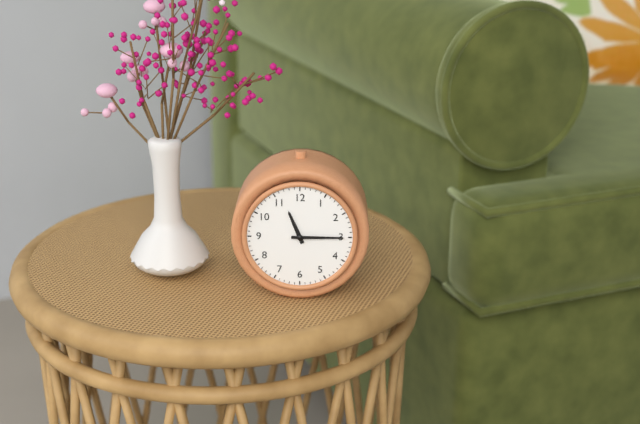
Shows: h=11 m=15
